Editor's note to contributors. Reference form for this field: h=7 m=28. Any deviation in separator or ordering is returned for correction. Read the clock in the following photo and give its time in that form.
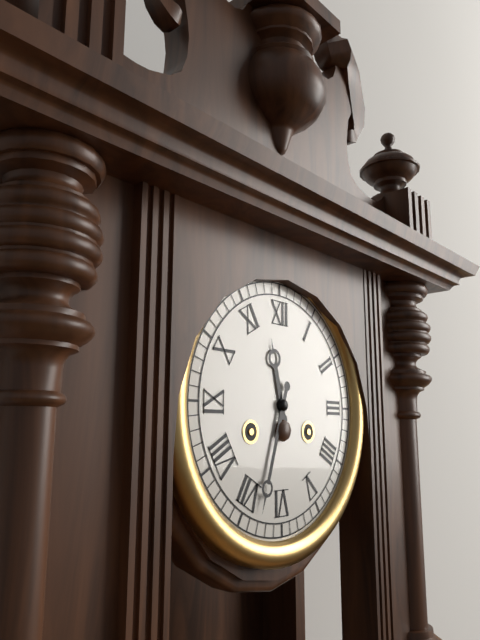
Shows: h=11 m=33
